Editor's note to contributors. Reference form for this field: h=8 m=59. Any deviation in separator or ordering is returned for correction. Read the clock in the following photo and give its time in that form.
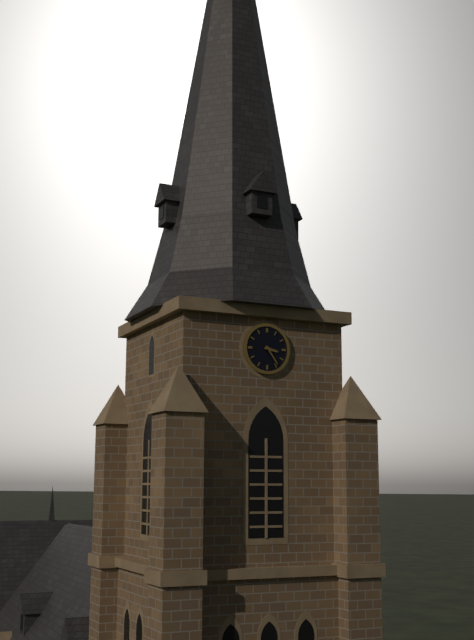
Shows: h=3 m=24
